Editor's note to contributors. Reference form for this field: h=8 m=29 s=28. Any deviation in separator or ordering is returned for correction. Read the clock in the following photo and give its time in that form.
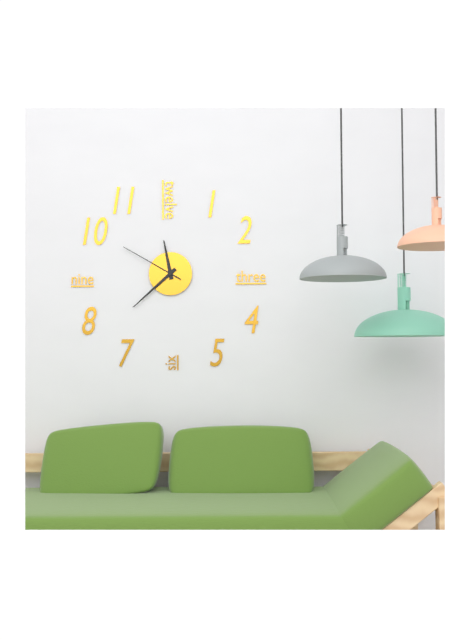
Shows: h=11 m=38 s=50
